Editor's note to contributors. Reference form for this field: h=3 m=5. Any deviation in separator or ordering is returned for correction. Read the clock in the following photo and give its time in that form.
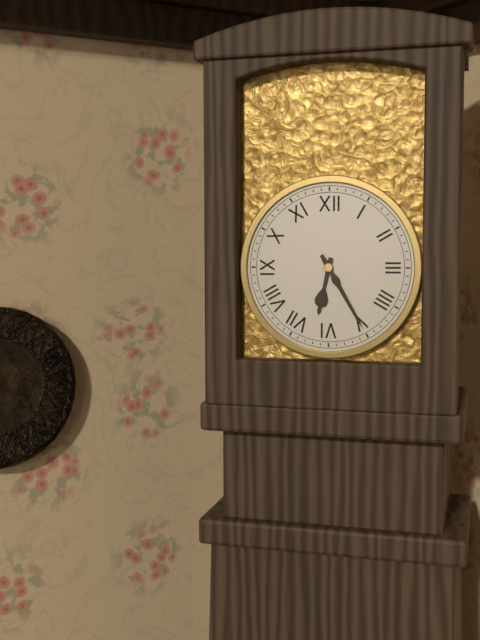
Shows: h=6 m=25
